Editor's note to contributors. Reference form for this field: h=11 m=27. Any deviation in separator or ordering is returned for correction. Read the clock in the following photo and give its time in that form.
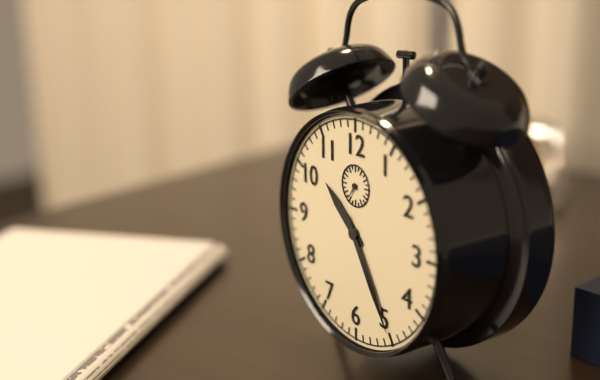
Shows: h=10 m=25
